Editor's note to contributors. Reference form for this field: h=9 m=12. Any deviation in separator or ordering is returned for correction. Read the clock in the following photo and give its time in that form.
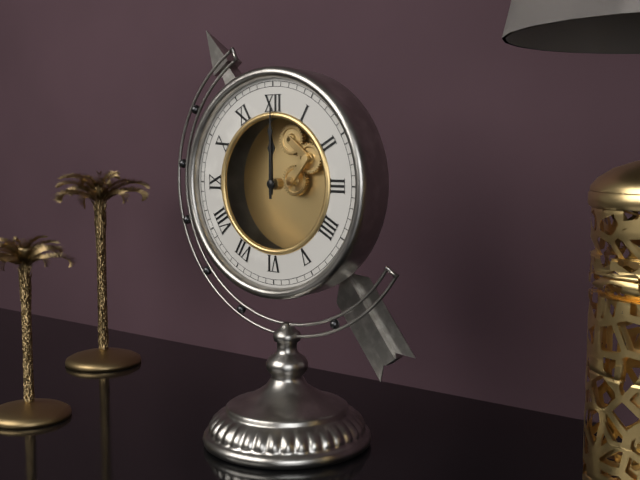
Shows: h=12 m=0
